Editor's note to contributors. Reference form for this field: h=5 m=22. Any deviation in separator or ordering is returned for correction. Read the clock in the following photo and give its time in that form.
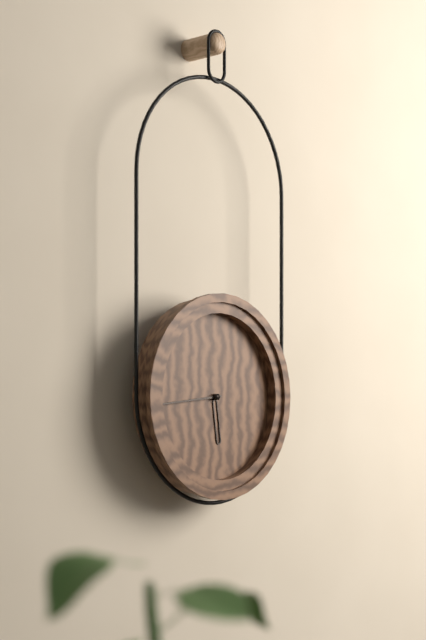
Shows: h=5 m=44
